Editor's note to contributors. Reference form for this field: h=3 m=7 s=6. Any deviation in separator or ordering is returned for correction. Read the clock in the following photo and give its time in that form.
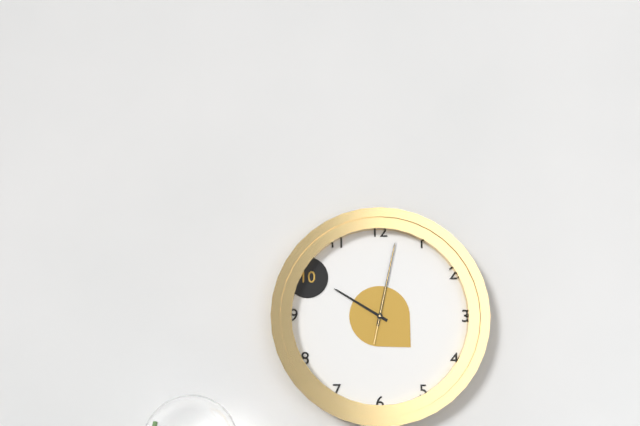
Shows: h=10 m=2 s=2
